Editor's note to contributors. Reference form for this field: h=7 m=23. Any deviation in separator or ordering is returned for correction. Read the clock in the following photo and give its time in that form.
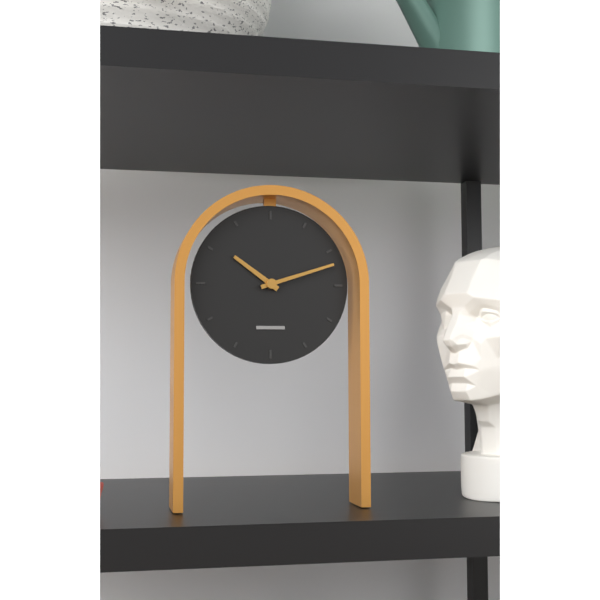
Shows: h=10 m=12
